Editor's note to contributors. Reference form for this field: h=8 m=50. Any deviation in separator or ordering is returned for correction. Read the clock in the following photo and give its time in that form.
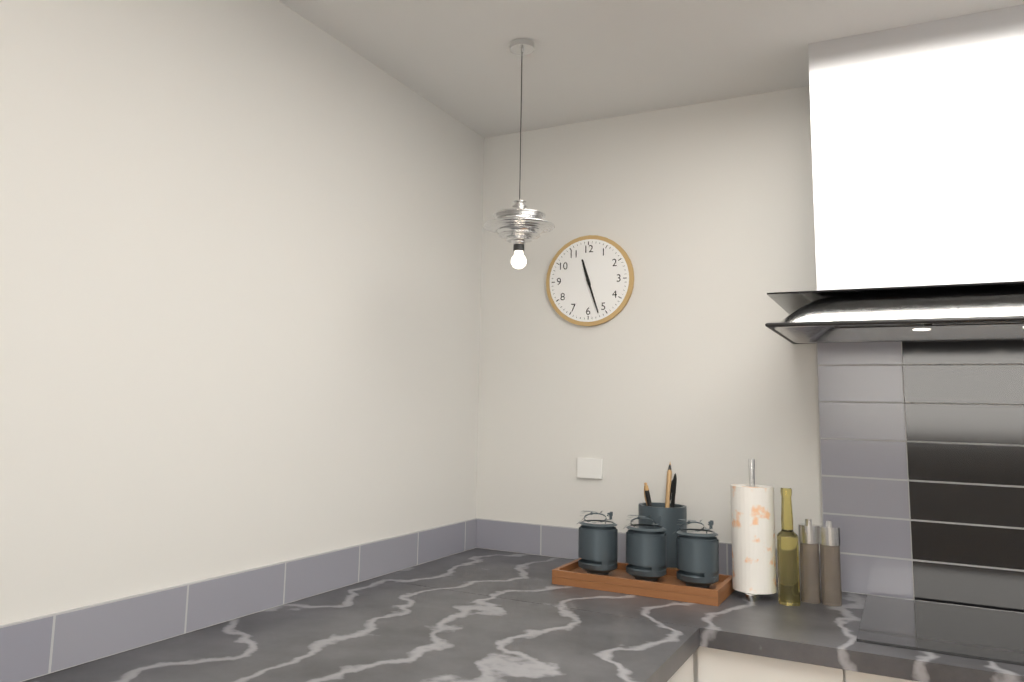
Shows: h=11 m=27
